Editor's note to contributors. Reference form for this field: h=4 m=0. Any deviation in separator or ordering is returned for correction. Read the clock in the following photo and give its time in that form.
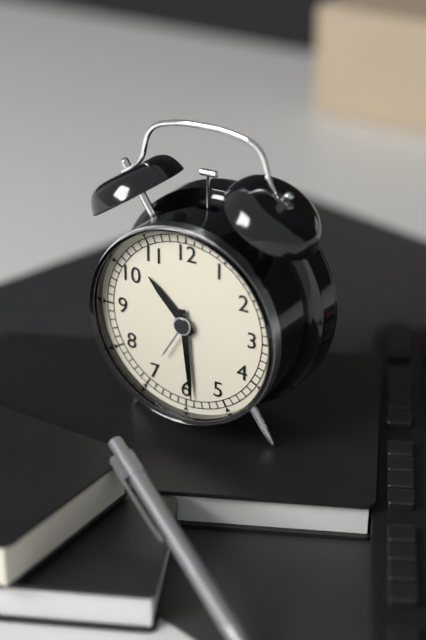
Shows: h=10 m=29
